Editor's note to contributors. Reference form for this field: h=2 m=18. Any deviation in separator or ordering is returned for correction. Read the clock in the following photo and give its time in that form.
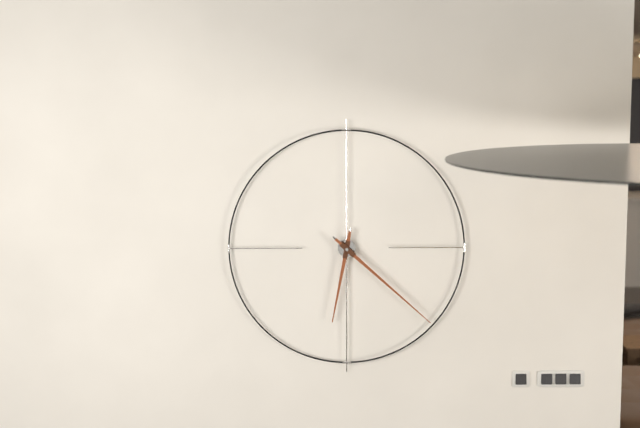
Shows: h=6 m=22
